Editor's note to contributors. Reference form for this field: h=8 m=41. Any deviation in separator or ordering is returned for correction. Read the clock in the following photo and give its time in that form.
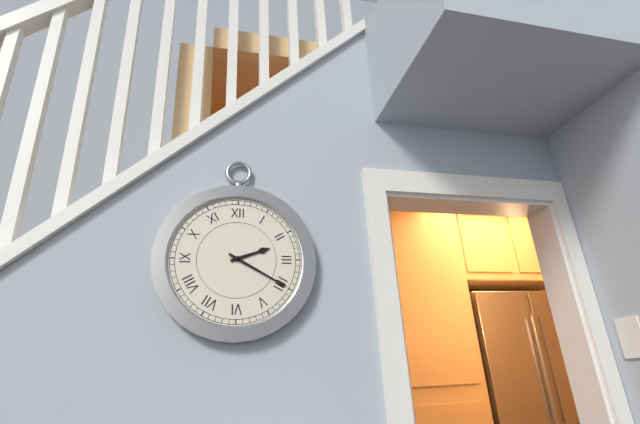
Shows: h=2 m=20
